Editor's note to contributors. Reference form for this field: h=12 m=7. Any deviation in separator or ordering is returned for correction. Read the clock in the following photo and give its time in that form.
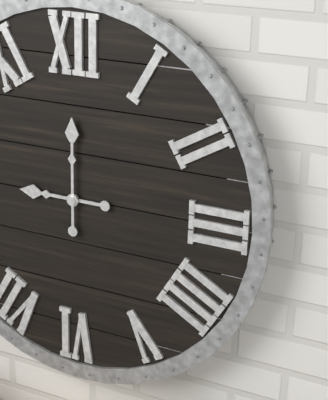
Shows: h=9 m=0
